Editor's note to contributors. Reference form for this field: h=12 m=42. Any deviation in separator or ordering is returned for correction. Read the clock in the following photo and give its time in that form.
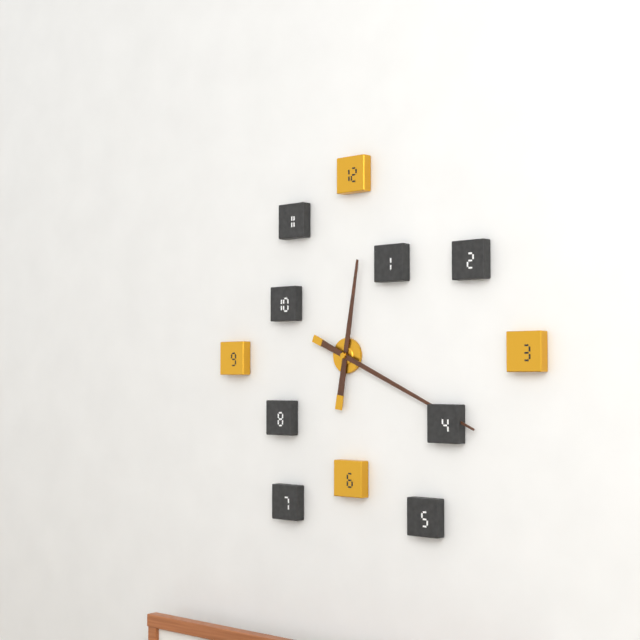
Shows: h=12 m=19
